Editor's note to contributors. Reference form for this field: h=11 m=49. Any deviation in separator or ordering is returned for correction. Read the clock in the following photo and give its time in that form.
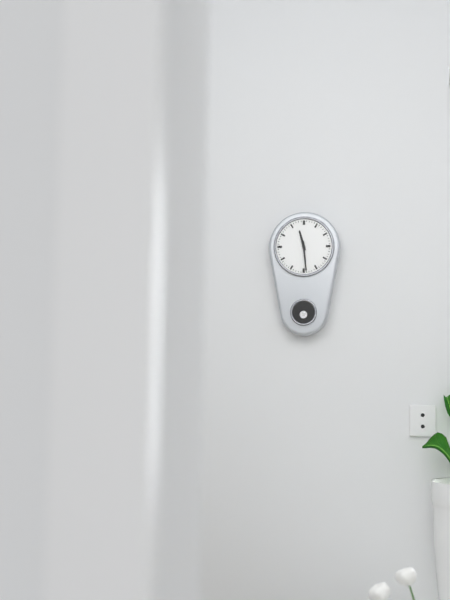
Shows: h=11 m=29
